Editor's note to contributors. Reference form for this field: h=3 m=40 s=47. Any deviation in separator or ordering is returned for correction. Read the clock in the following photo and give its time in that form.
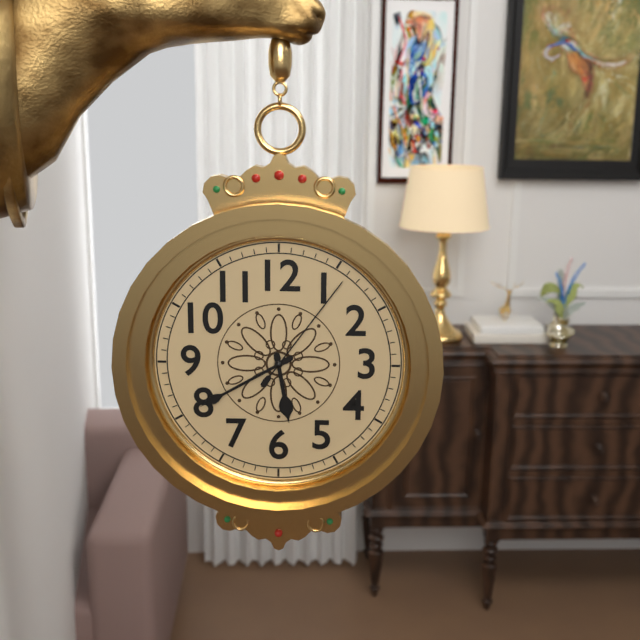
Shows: h=5 m=40 s=6
